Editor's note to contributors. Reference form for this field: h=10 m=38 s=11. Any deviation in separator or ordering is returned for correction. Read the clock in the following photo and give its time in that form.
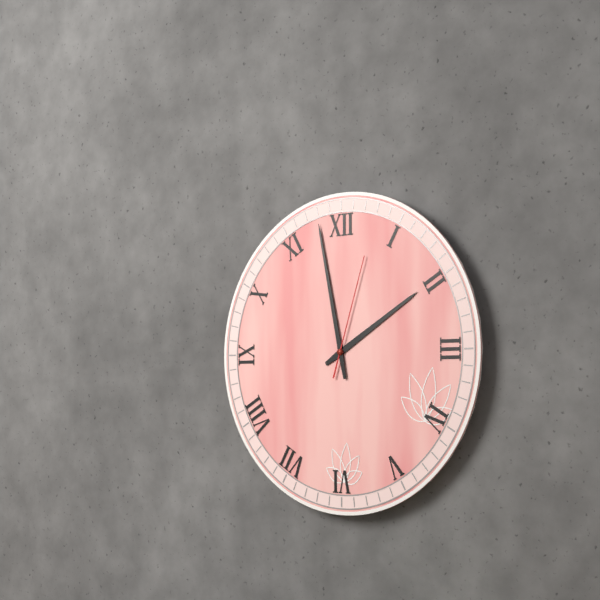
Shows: h=1 m=58 s=3
